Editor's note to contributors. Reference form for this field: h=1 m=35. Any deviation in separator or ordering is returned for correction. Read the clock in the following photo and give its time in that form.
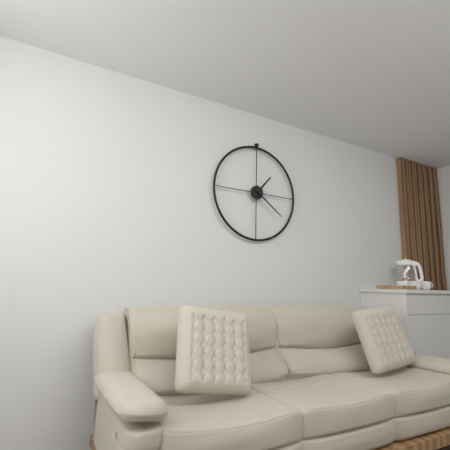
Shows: h=1 m=21
